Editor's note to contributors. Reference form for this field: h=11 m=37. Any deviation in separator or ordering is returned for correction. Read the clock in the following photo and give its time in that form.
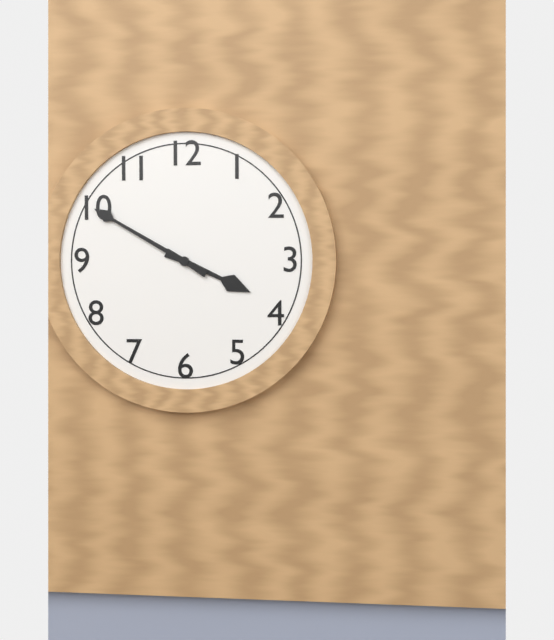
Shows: h=3 m=50
